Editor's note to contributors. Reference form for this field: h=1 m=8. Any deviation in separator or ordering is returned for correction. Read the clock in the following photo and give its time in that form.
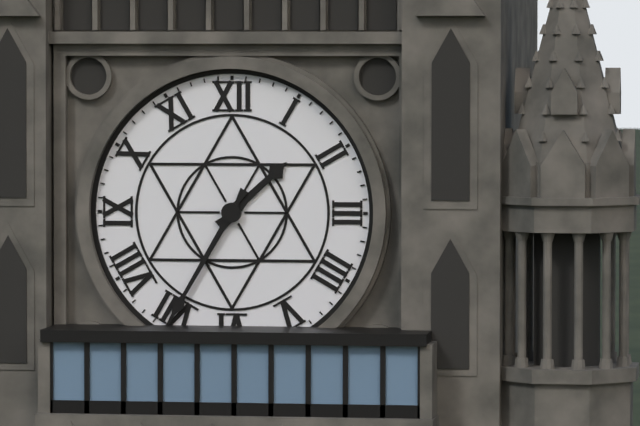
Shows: h=1 m=35
